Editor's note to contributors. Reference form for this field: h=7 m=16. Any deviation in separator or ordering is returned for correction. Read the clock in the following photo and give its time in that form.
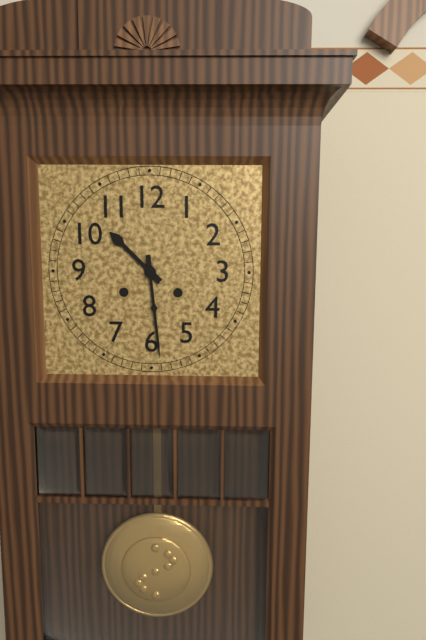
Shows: h=10 m=29
